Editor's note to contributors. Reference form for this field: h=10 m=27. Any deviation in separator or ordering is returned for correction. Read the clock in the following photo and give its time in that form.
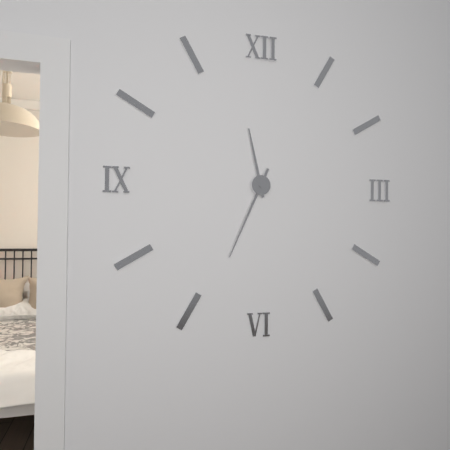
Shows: h=11 m=34
